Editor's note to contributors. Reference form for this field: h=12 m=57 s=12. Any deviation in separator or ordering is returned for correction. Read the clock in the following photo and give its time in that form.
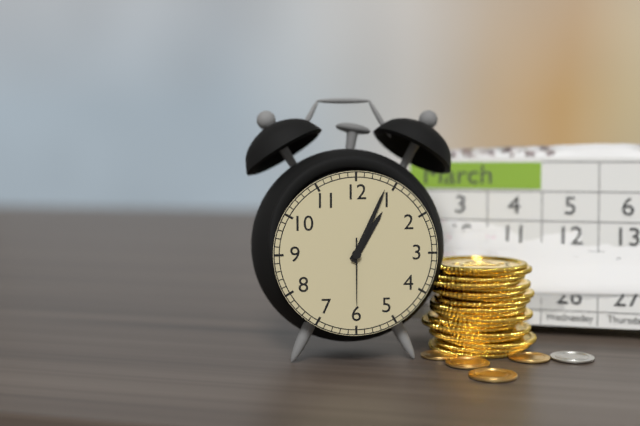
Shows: h=1 m=4 s=30
